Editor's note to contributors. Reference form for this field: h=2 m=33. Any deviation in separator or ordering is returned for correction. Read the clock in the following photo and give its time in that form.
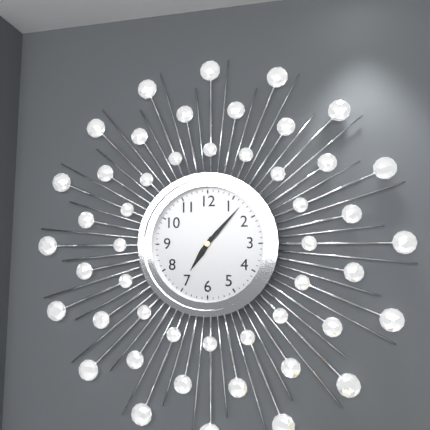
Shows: h=7 m=7
